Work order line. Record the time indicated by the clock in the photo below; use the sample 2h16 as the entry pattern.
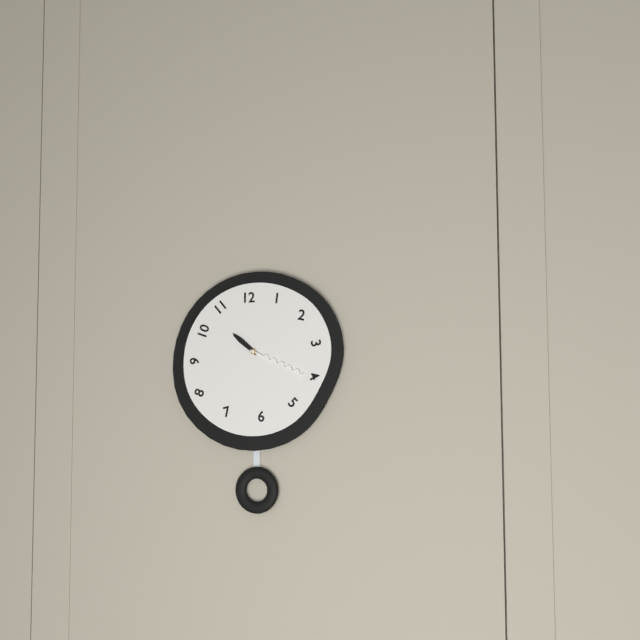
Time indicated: 10h19
